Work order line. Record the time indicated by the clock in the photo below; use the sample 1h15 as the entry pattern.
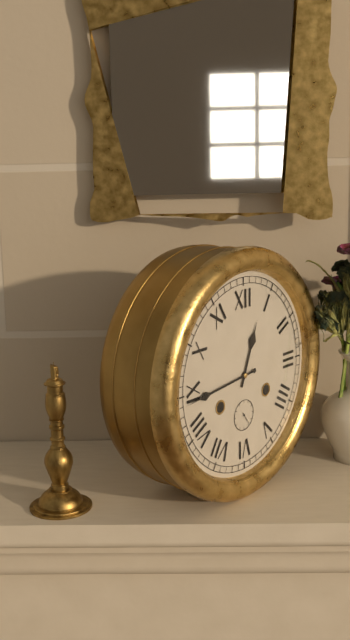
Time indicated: 12h44
